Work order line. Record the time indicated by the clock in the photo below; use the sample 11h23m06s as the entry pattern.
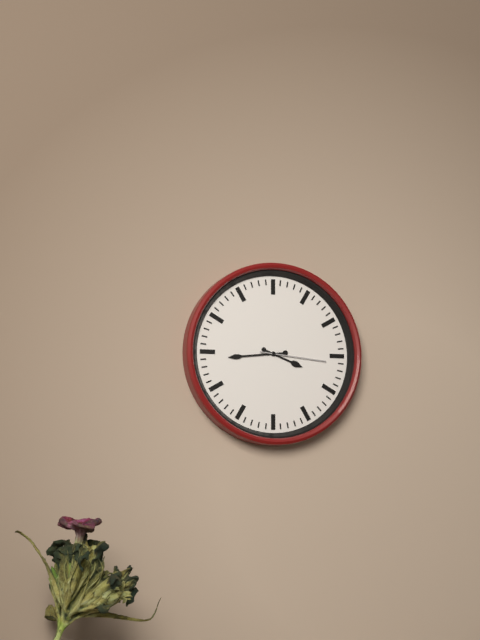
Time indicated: 3h44m16s
